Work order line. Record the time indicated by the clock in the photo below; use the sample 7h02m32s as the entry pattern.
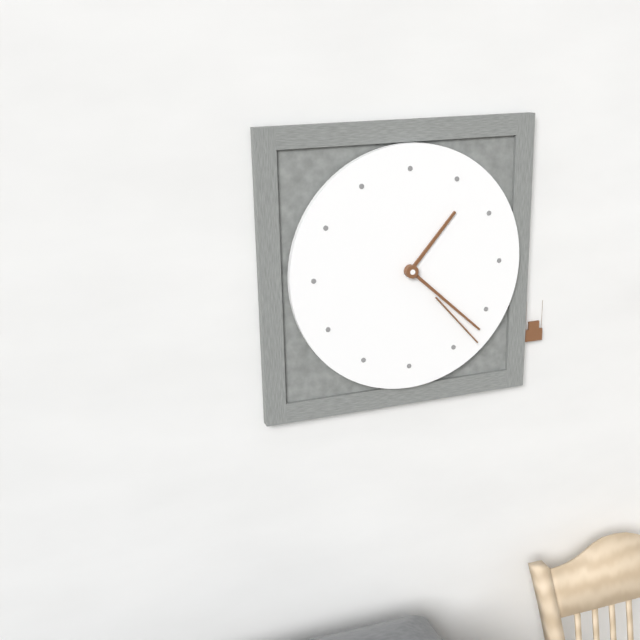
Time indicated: 1h22m23s
